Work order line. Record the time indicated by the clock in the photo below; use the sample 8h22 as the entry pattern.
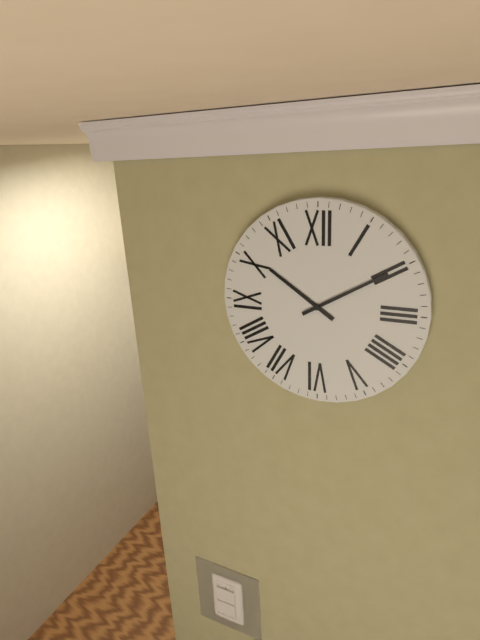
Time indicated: 10h10
